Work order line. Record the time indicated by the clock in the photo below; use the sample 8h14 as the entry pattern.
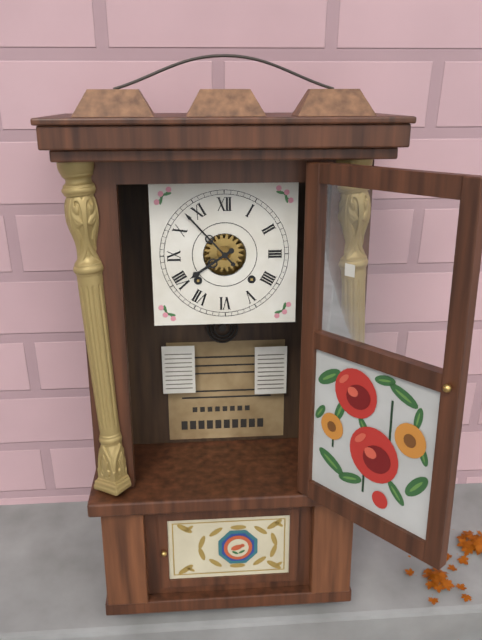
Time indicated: 7h53
